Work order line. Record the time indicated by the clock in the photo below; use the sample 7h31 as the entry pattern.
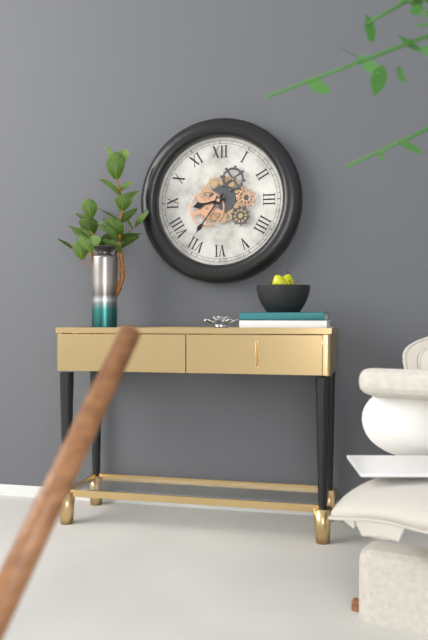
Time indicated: 8h36
